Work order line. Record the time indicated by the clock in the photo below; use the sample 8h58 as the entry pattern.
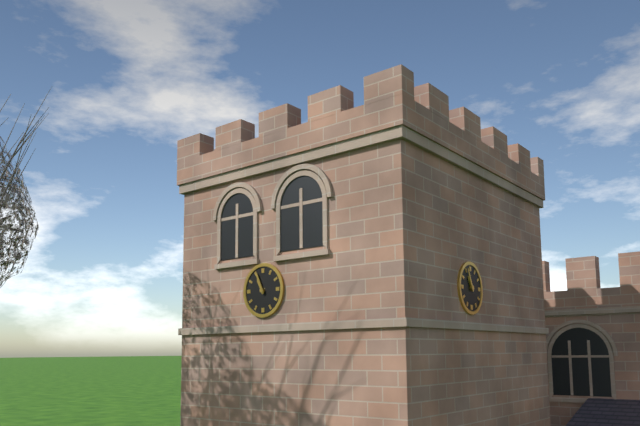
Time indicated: 10h56
